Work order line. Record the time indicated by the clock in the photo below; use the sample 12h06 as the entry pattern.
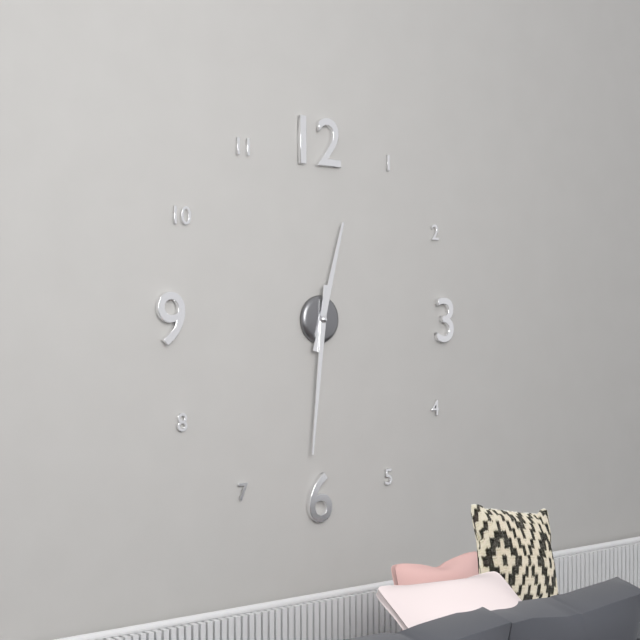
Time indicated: 12h31
